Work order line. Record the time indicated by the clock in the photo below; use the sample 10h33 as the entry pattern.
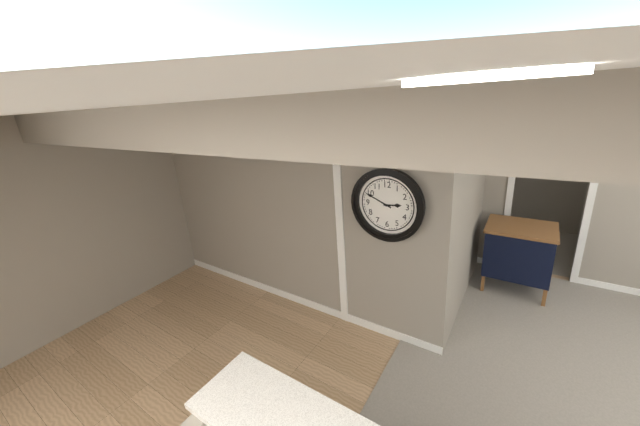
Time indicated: 2h49
